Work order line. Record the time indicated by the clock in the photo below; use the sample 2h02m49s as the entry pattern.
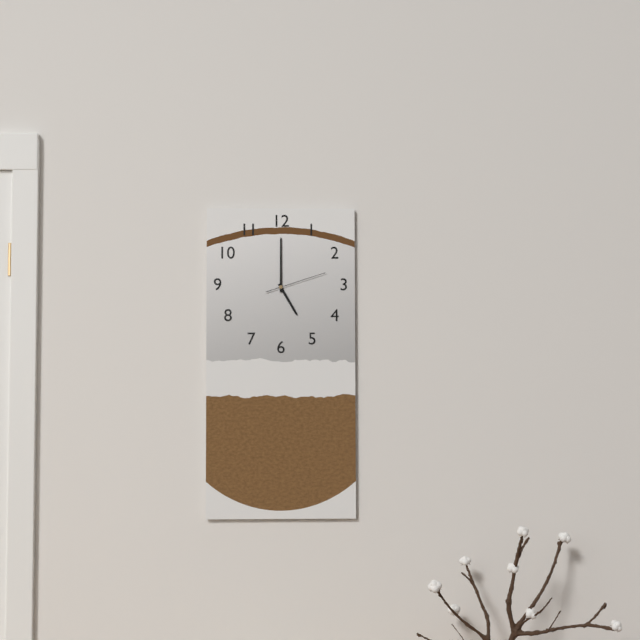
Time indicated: 5h00m12s
